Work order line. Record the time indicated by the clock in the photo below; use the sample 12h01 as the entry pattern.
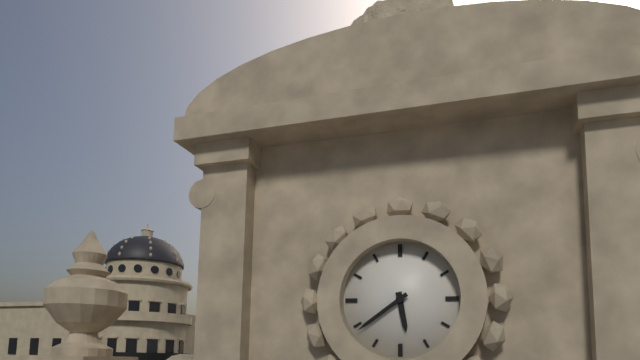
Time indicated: 5h39
